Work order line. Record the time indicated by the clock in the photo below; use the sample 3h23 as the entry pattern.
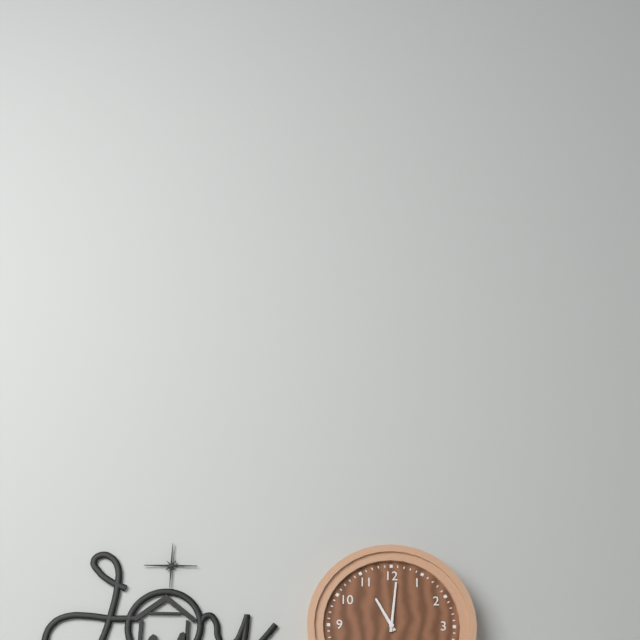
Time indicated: 11h01
